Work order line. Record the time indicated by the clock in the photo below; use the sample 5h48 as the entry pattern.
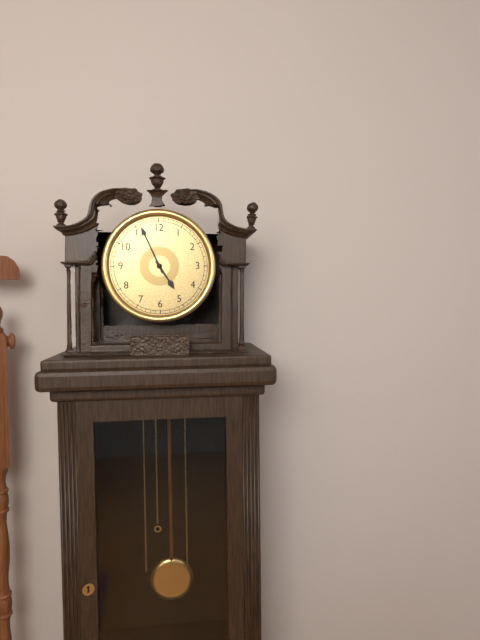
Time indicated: 4h56
